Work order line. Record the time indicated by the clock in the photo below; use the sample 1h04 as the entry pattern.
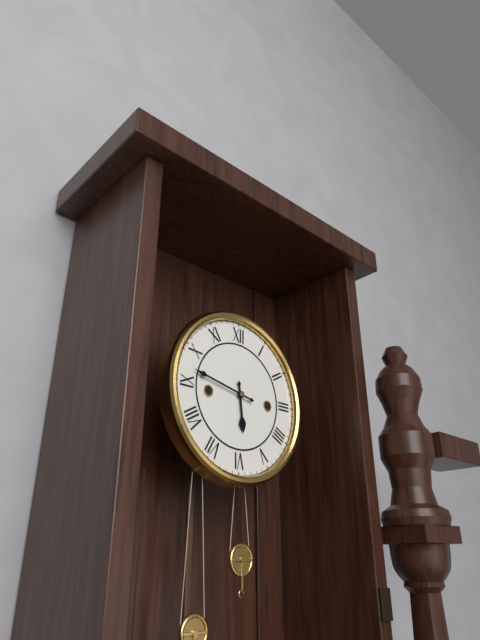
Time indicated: 5h47
